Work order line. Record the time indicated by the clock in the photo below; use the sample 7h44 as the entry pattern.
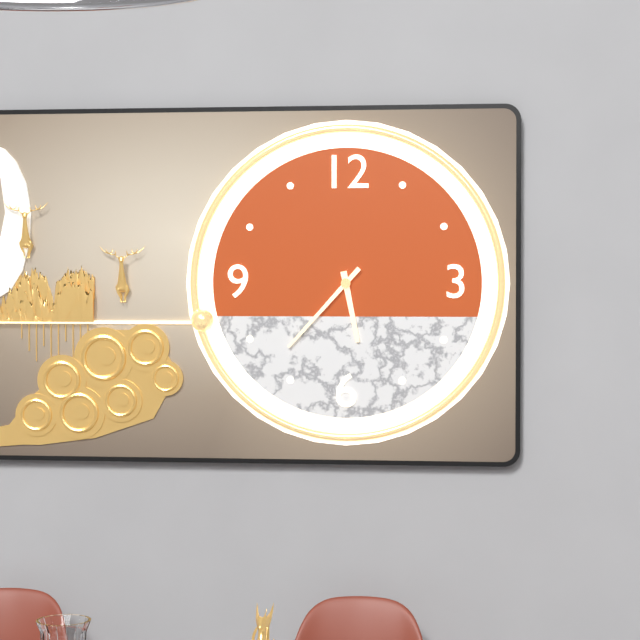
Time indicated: 5h37
